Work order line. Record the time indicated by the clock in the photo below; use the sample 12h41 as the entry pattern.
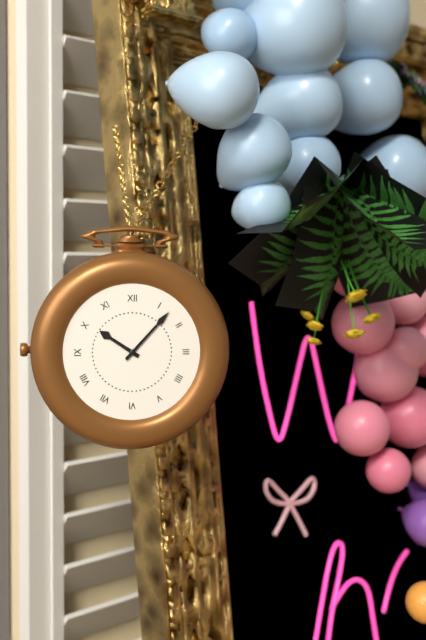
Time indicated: 10h07
